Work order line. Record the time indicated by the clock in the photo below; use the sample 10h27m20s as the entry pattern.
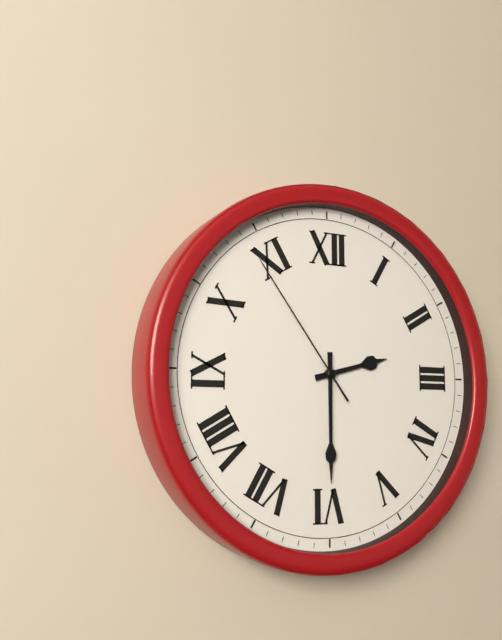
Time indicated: 2h30m54s
